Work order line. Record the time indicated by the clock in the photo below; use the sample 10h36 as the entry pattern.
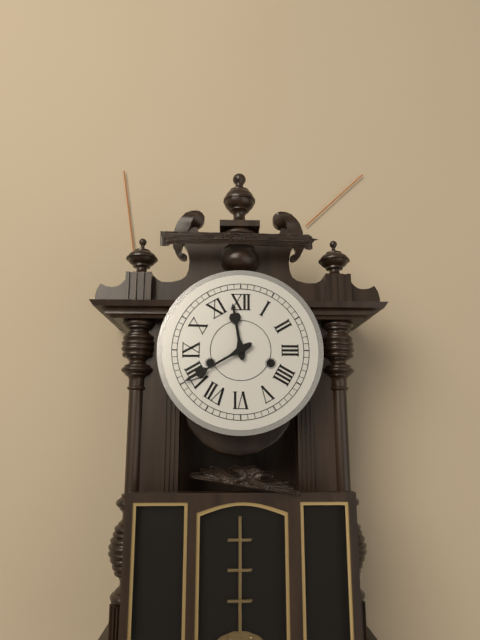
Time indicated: 11h40
